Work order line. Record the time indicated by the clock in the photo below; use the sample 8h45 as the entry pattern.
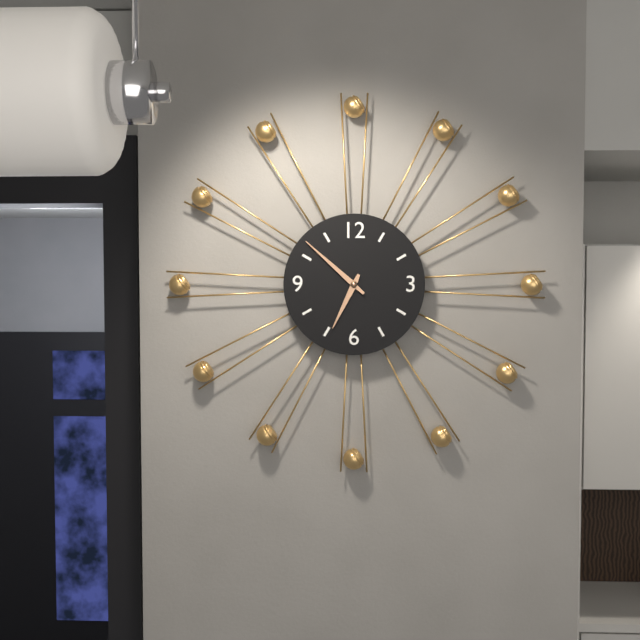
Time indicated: 6h52
